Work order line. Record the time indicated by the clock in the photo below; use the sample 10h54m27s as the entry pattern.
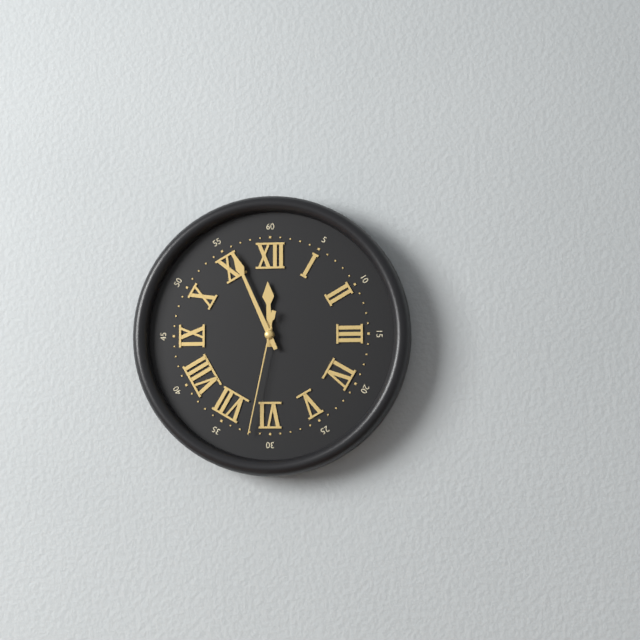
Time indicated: 11h56m32s
